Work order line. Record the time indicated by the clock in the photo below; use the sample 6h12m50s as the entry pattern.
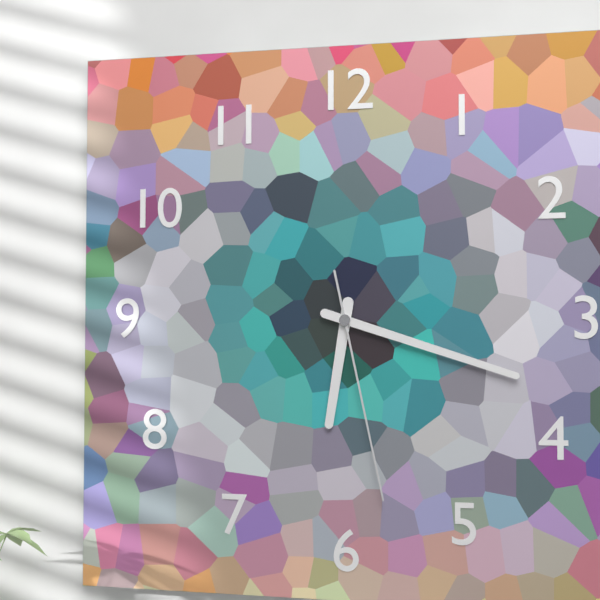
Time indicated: 6h18m28s
